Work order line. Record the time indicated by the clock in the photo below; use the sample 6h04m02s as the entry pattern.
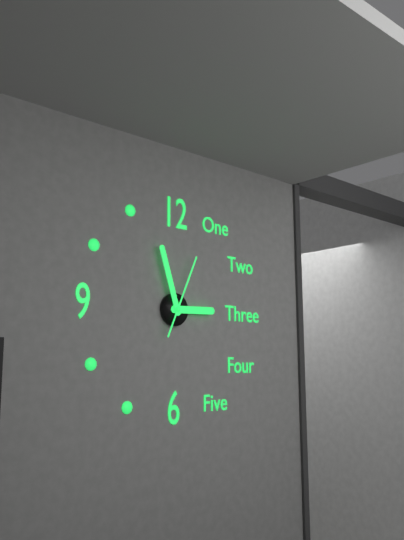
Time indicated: 2h57m04s
